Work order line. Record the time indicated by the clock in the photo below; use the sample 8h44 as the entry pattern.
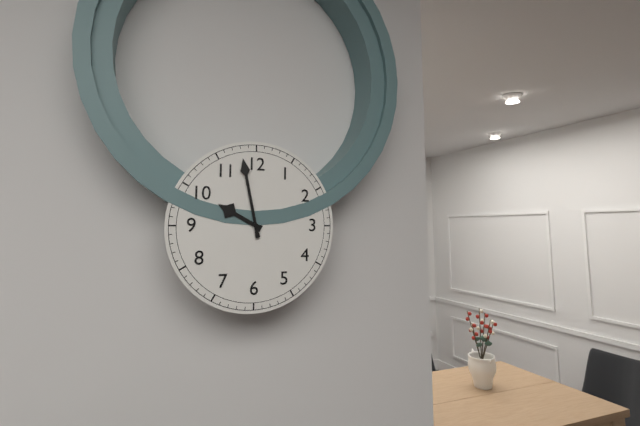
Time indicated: 9h58
